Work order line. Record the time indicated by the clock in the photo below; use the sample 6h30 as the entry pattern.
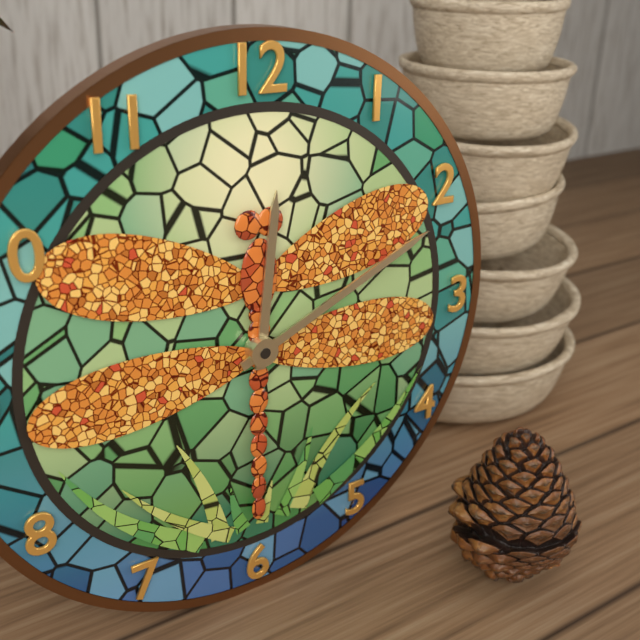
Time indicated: 12h11
